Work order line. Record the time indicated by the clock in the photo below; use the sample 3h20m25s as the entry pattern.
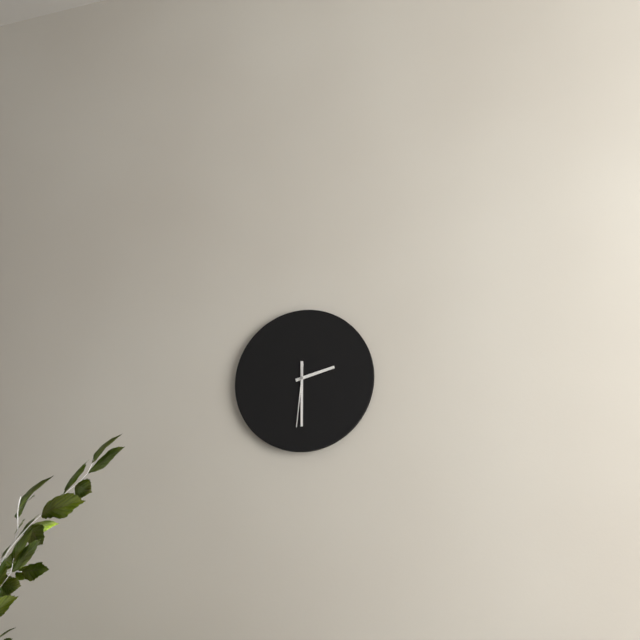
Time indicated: 2h30m31s
